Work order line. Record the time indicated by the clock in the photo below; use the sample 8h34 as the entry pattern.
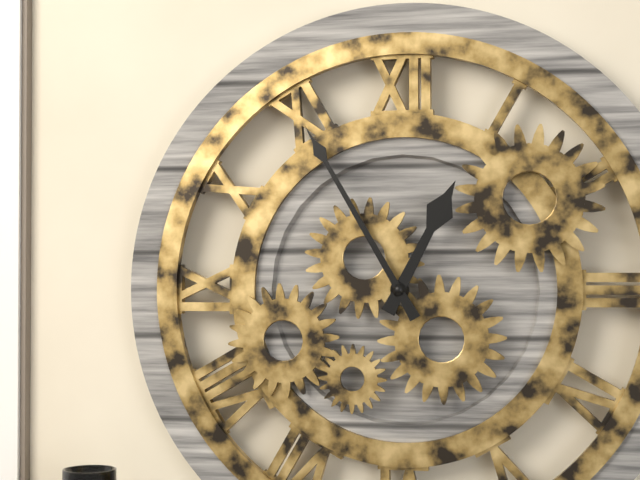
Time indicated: 12h55
